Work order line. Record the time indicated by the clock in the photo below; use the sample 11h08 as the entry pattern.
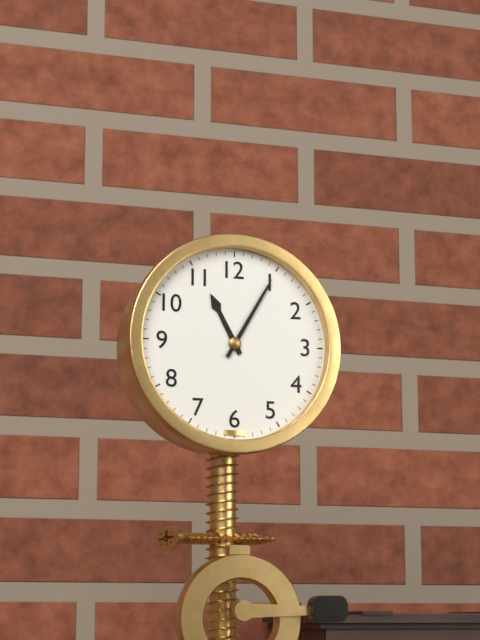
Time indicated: 11h05
